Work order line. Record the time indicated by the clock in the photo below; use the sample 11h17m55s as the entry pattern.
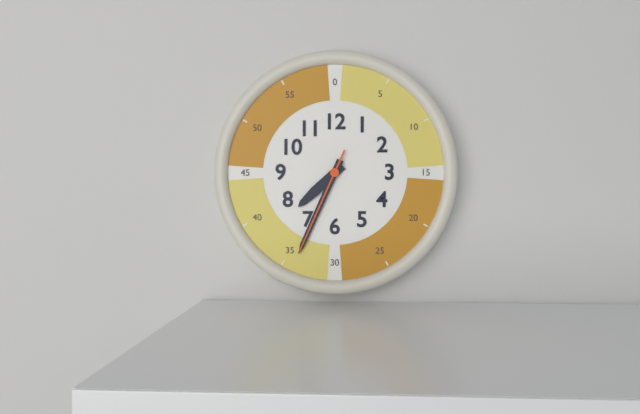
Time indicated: 7h34m34s
